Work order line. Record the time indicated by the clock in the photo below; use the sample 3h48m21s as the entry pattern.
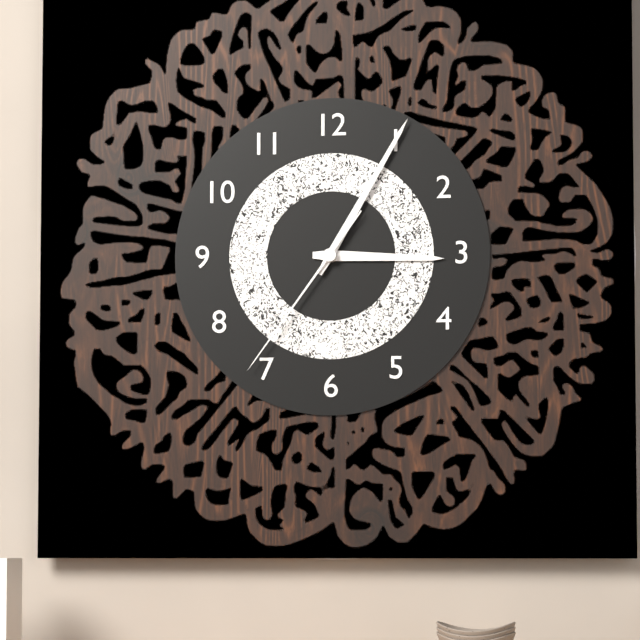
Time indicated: 3h05m36s
